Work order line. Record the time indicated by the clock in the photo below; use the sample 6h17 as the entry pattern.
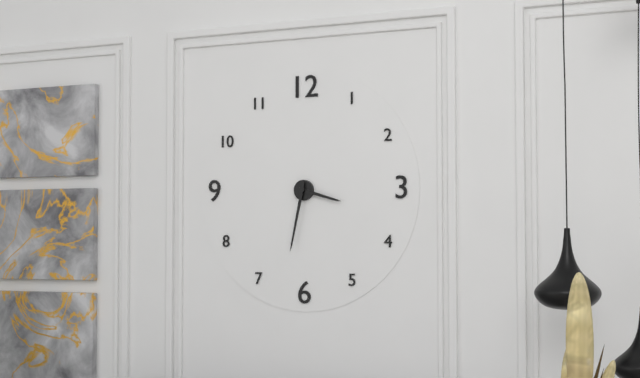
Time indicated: 3h32
